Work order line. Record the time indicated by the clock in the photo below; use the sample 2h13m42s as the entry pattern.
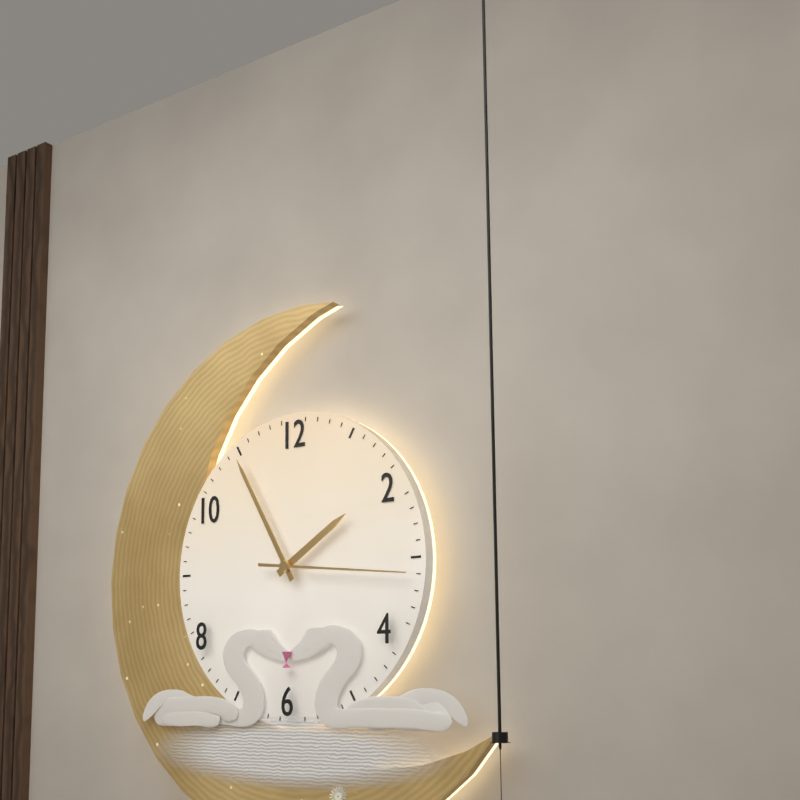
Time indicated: 1h55m16s
